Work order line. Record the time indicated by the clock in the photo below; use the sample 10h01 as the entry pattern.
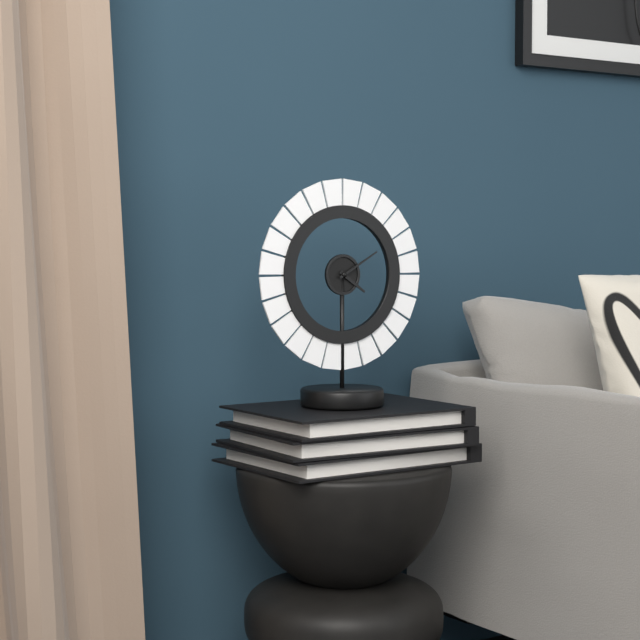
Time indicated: 4h10
